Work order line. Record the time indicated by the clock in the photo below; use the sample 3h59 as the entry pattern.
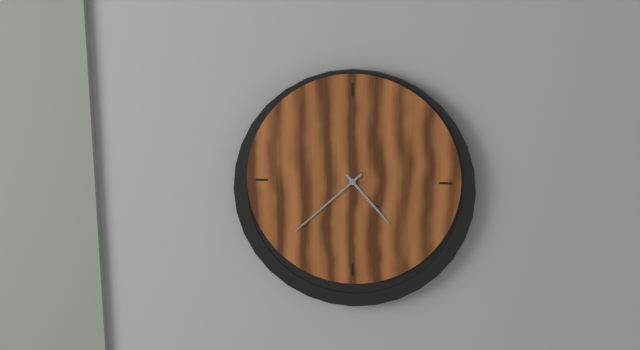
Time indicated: 4h38
